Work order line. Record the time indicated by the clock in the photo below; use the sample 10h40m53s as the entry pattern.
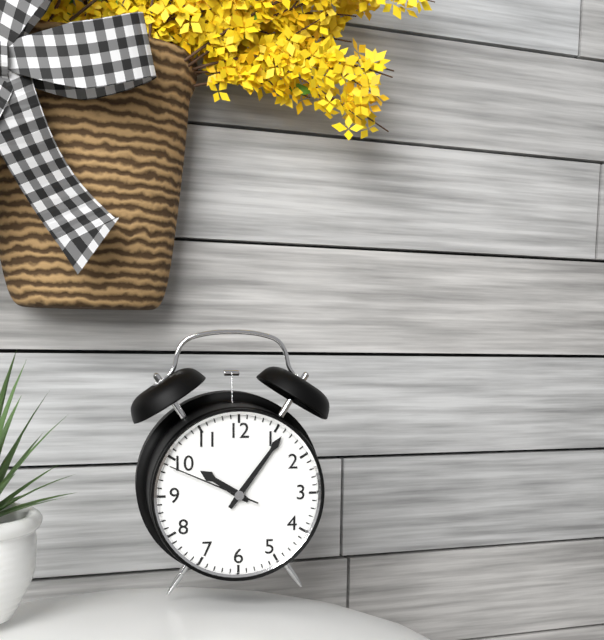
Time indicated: 10h06m49s
